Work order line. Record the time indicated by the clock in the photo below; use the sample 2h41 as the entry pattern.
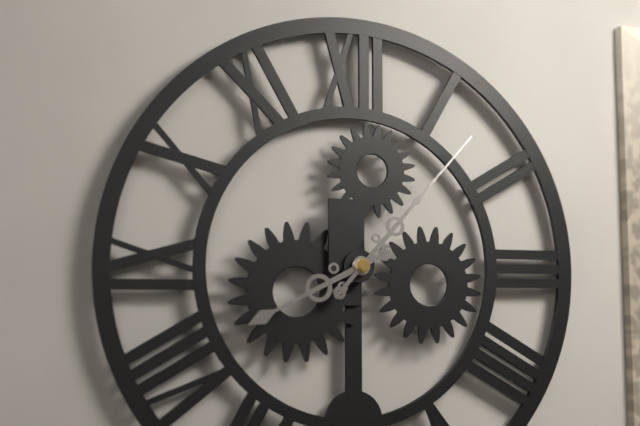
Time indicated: 8h07
